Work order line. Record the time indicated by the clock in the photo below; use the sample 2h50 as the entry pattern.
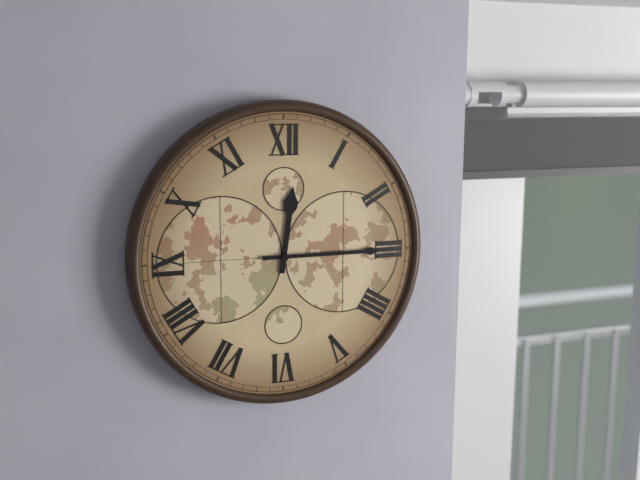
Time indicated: 12h15
